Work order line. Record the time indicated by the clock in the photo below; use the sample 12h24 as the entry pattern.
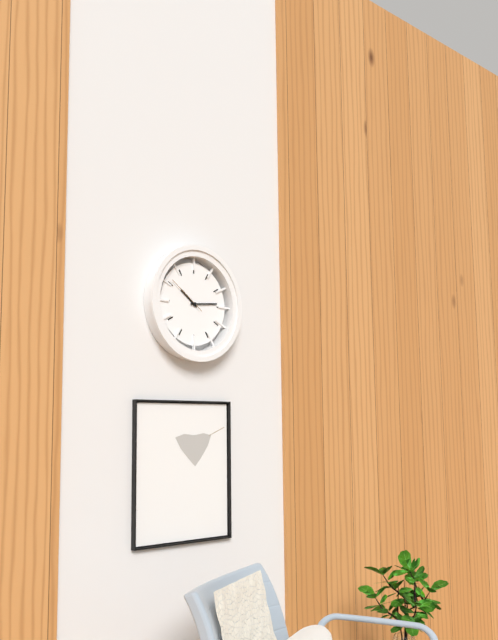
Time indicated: 10h14
